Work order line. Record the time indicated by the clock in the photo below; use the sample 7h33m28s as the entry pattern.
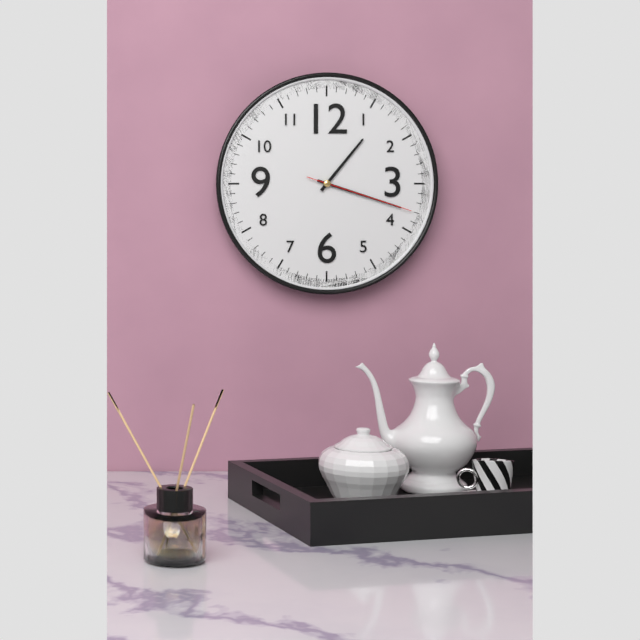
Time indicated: 1h18m18s
